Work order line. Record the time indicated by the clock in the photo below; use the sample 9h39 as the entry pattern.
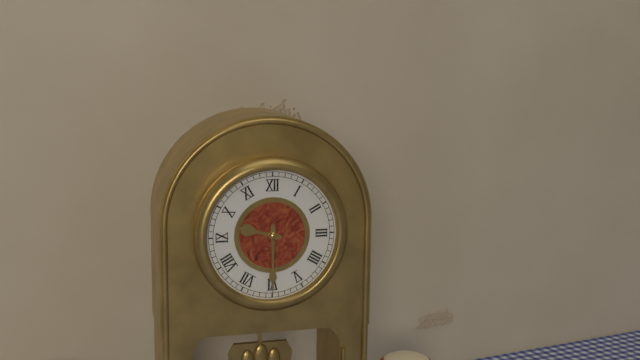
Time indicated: 9h30
